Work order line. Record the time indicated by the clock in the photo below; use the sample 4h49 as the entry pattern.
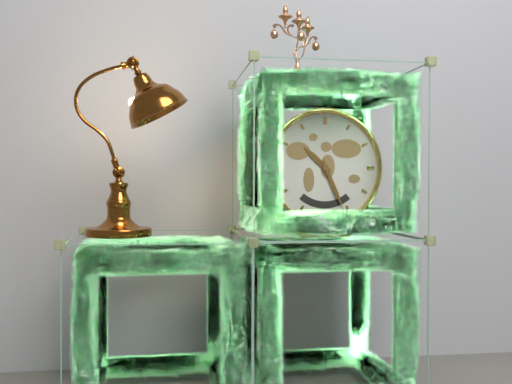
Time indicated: 10h26
